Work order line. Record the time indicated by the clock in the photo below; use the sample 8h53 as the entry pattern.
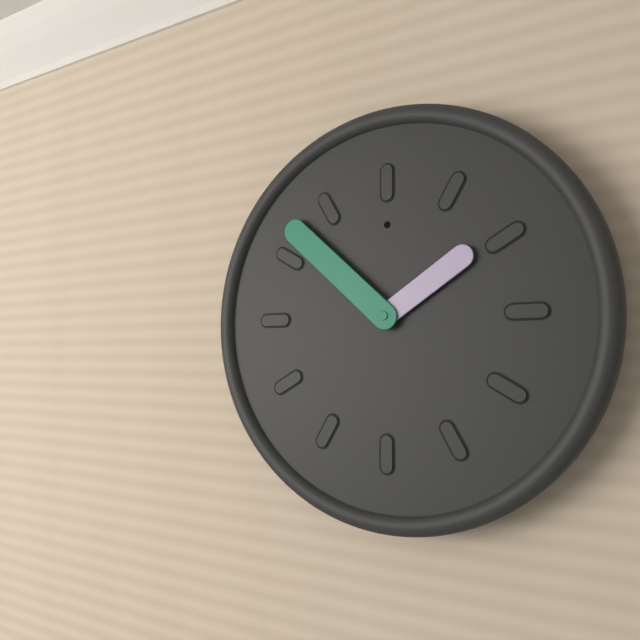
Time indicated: 1h52
